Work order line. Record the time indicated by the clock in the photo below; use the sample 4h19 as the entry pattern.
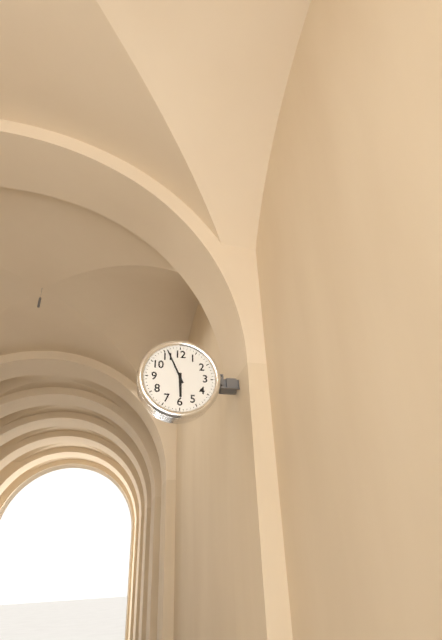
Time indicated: 5h56
